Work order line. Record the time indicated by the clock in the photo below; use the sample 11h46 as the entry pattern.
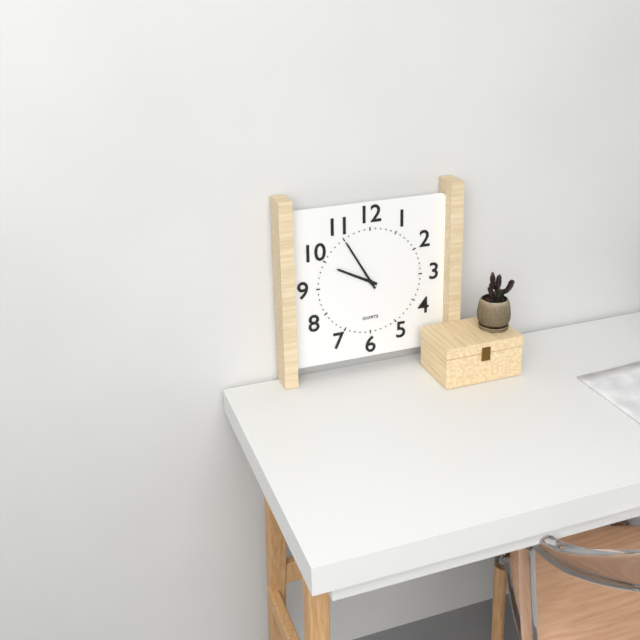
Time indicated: 9h55
